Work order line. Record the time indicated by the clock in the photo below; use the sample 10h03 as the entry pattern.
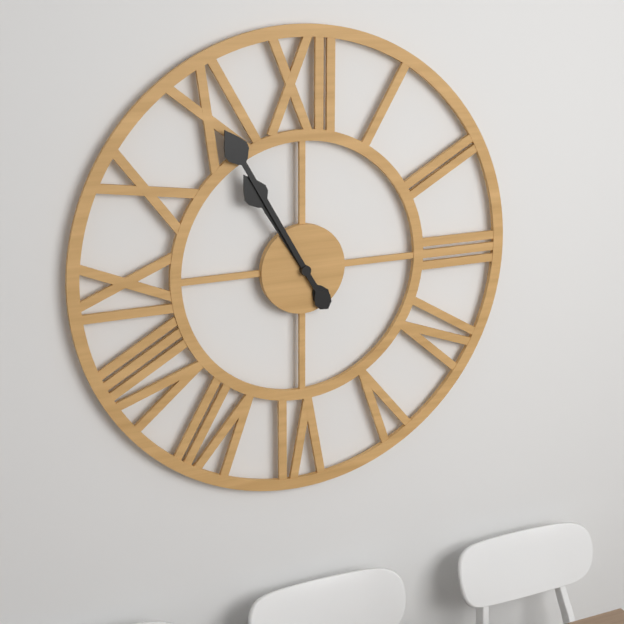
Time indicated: 10h55
